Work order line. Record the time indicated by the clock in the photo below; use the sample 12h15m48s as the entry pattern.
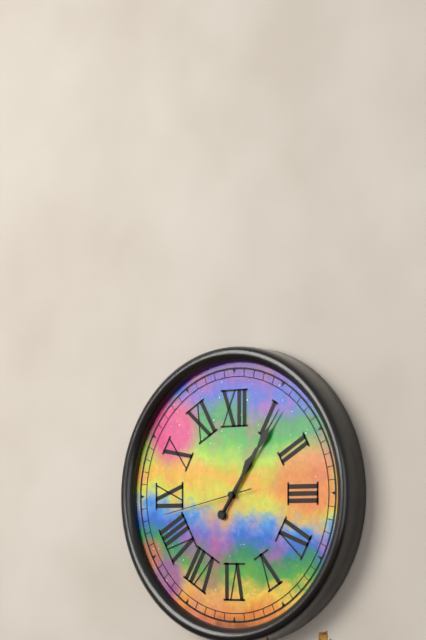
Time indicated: 1h06m43s
